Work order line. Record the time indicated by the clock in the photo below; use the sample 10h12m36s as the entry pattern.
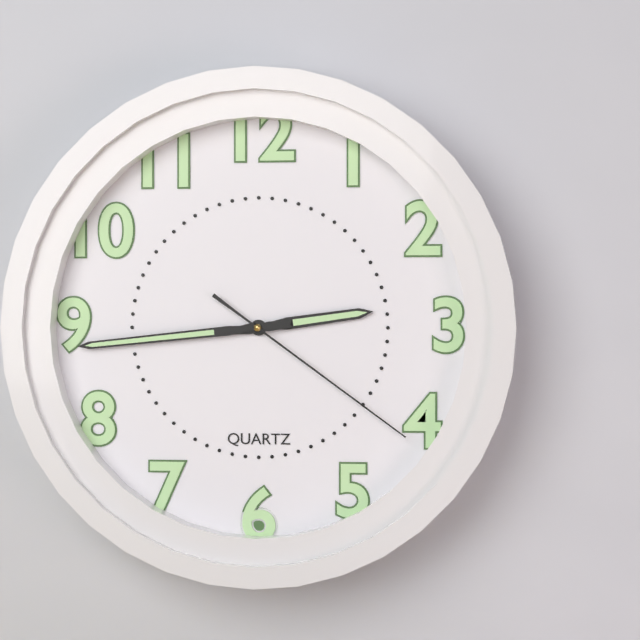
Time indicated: 2h44m21s
